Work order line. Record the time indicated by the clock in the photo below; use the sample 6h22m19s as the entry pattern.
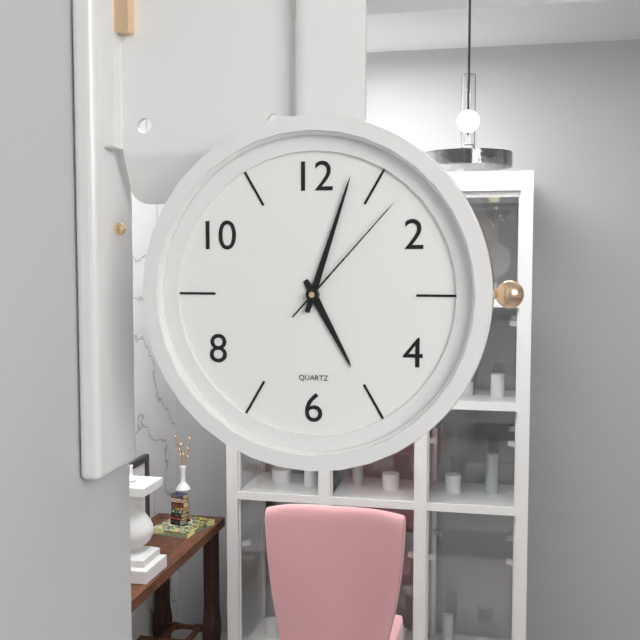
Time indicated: 5h03m07s
